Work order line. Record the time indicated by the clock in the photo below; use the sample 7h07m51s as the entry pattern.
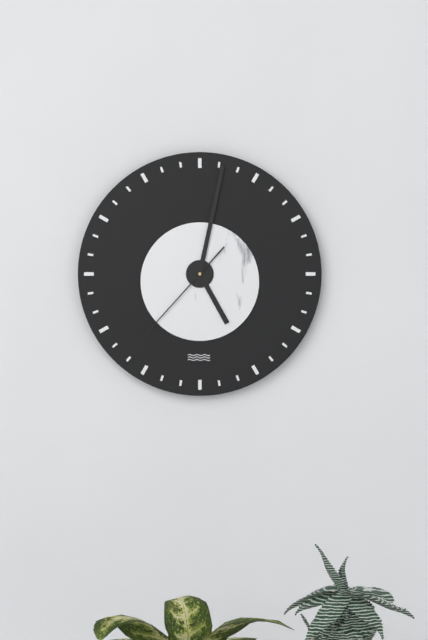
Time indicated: 5h02m37s
